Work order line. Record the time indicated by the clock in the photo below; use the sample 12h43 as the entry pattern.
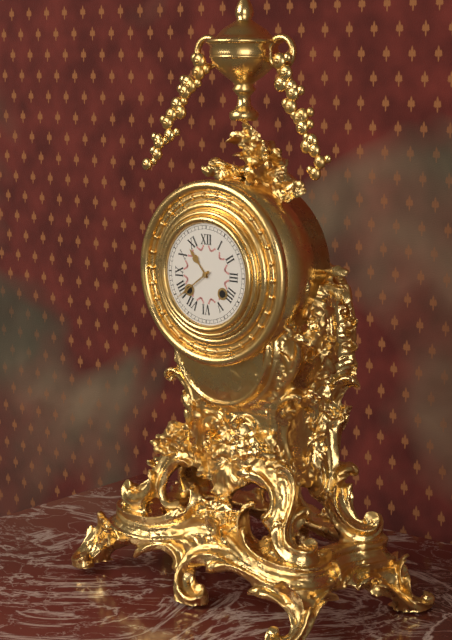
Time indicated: 10h39
